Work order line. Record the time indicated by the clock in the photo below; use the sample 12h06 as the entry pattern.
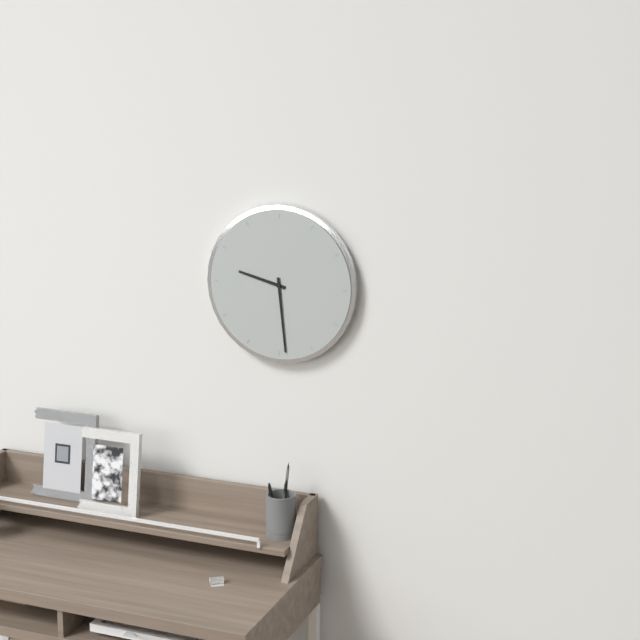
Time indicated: 9h29
